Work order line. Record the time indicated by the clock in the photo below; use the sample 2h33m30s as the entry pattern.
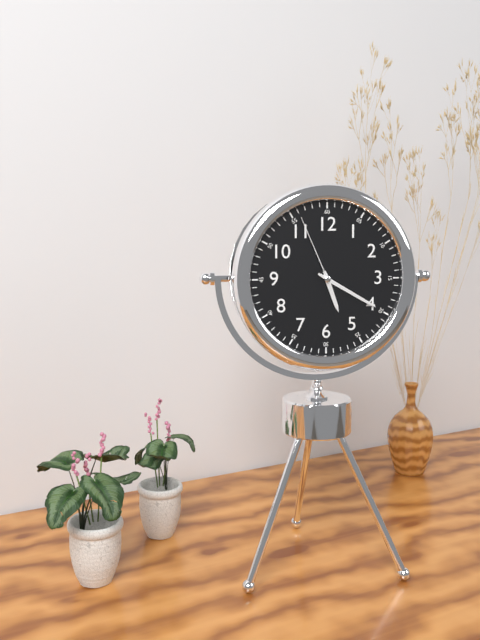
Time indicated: 5h20m56s
